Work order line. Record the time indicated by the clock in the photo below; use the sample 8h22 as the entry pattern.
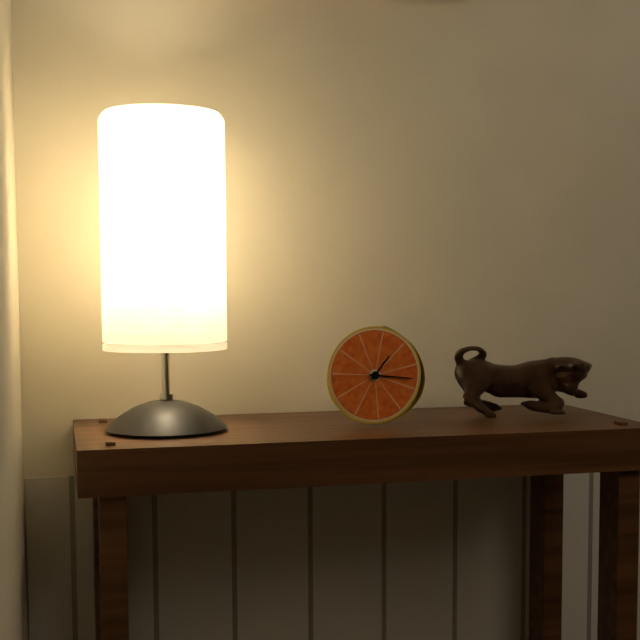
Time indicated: 1h16
